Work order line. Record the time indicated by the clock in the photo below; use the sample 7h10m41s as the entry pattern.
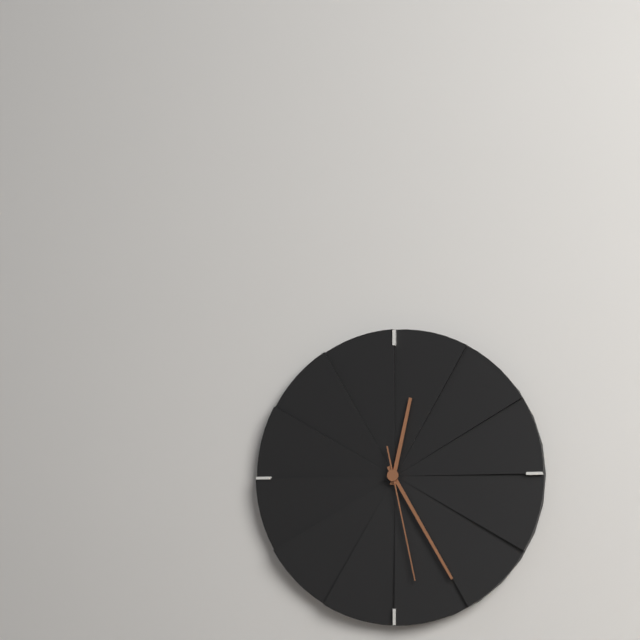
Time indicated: 12h25m28s
